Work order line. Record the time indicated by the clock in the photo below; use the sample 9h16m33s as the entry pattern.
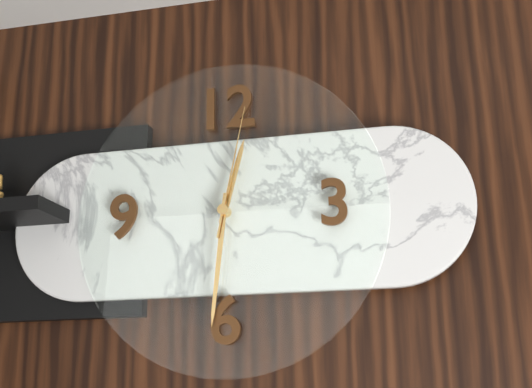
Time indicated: 12h31m02s
